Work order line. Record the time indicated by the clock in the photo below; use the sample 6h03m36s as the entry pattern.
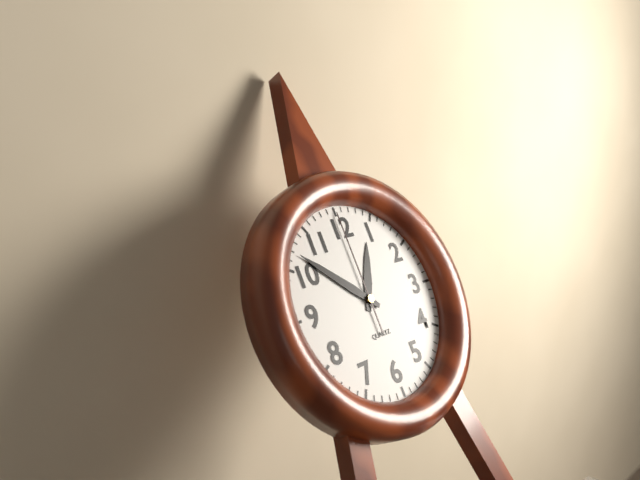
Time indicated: 12h52m00s
